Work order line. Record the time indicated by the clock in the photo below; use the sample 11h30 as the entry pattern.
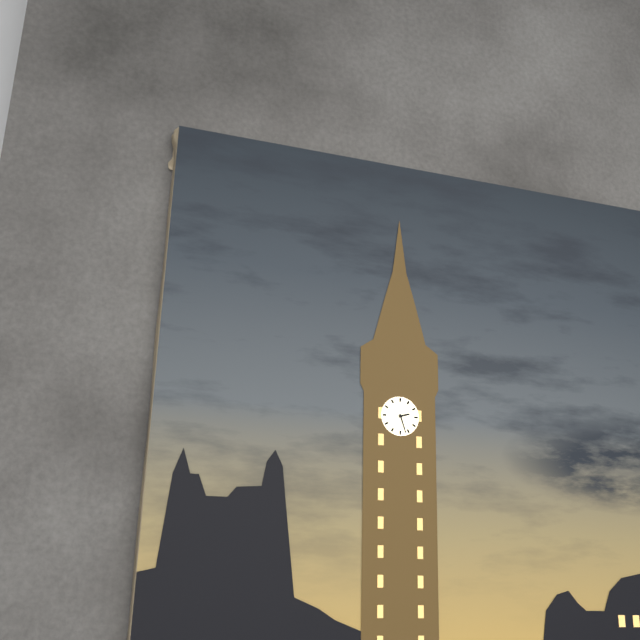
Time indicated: 2h27
